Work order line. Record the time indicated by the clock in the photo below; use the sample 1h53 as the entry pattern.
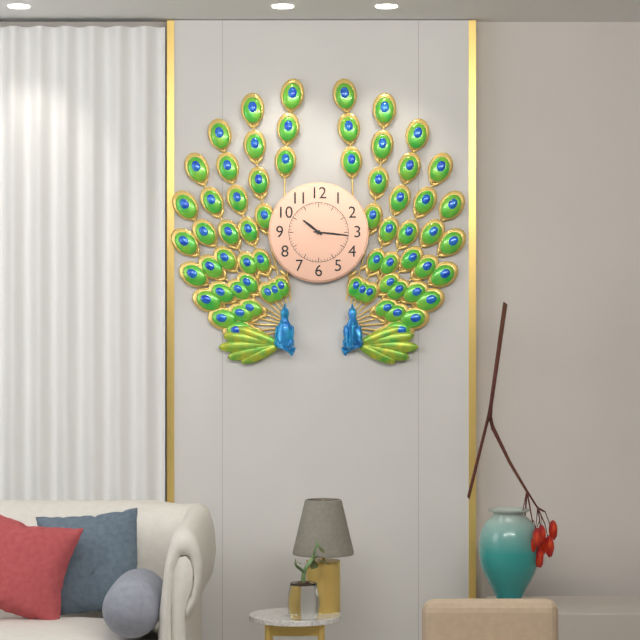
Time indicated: 10h16
